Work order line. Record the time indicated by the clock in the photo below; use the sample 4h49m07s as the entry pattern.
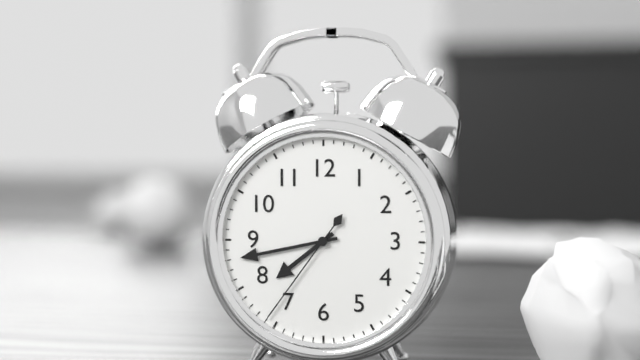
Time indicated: 7h43m36s
